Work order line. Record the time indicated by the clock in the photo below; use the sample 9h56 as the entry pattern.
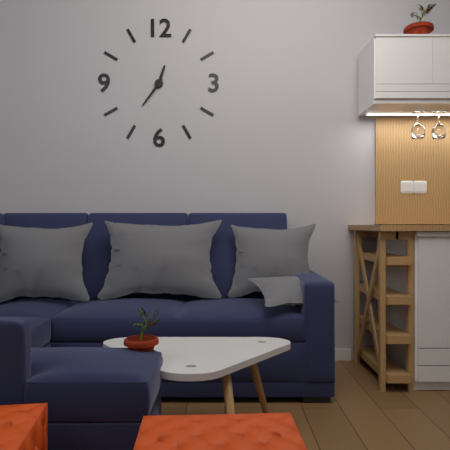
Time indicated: 12h36
